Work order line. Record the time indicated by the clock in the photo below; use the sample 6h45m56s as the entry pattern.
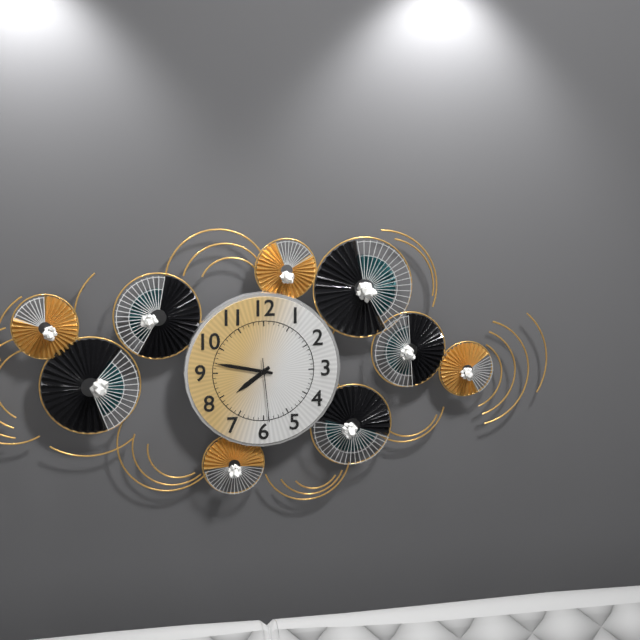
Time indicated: 7h47m29s
